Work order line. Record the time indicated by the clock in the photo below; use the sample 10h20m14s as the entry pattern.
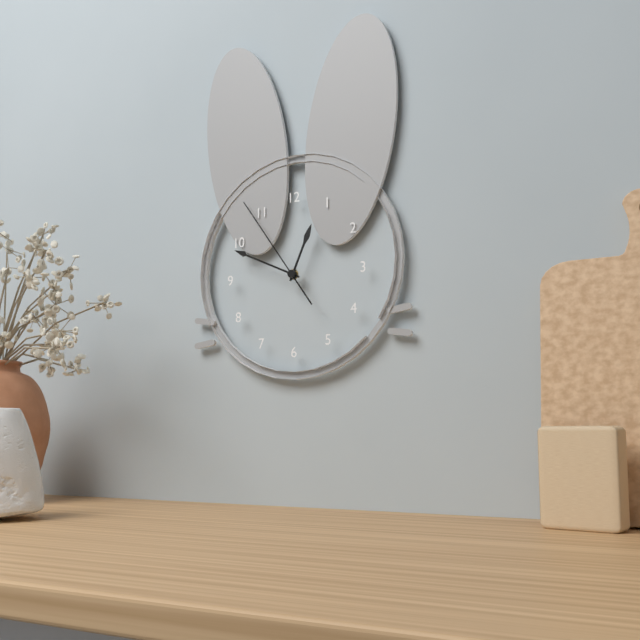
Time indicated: 12h49m54s
